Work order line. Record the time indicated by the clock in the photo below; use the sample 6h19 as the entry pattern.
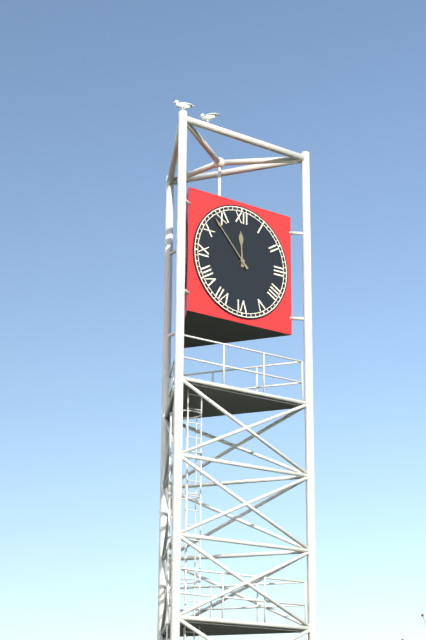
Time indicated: 11h53
